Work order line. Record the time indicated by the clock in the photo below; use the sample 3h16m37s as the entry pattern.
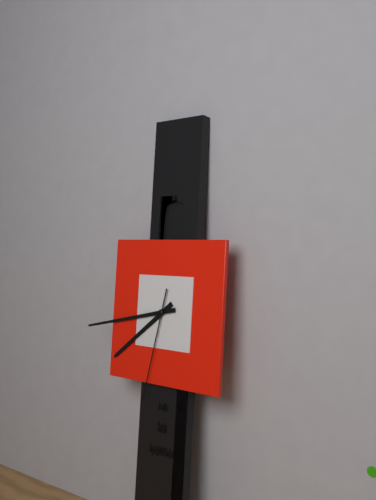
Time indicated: 7h43m32s
